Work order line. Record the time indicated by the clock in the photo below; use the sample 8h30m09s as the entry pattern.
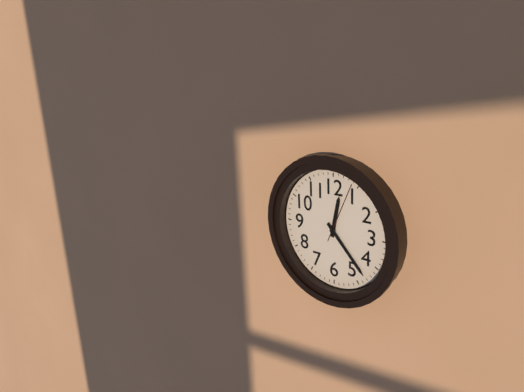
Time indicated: 12h23m04s
